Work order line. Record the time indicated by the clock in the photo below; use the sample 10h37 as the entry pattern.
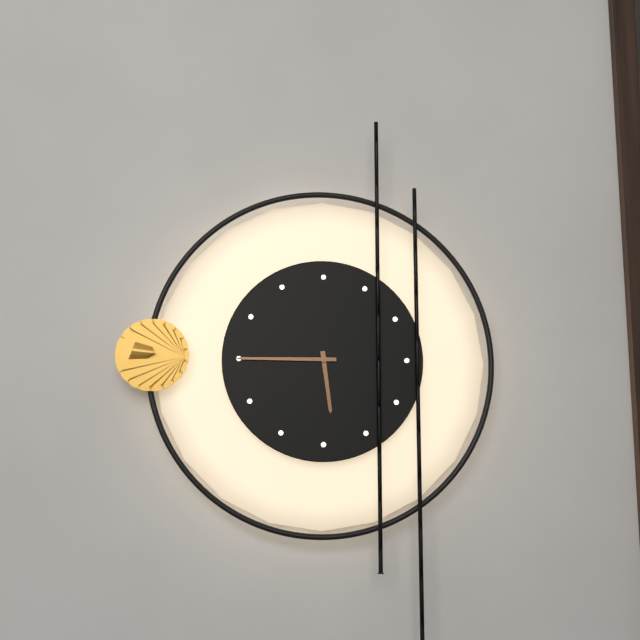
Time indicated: 5h45
